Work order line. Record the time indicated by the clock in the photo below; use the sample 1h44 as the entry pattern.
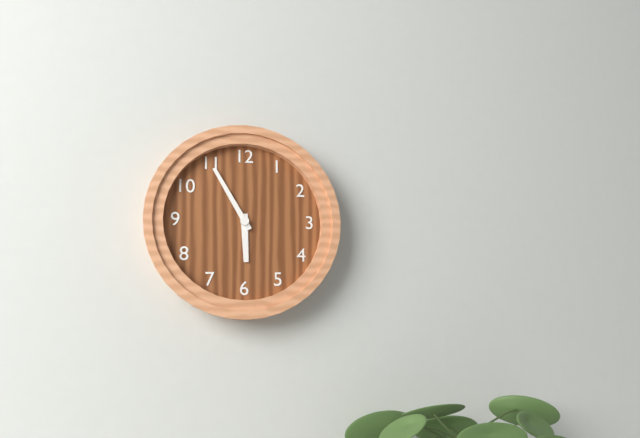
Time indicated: 5h55
